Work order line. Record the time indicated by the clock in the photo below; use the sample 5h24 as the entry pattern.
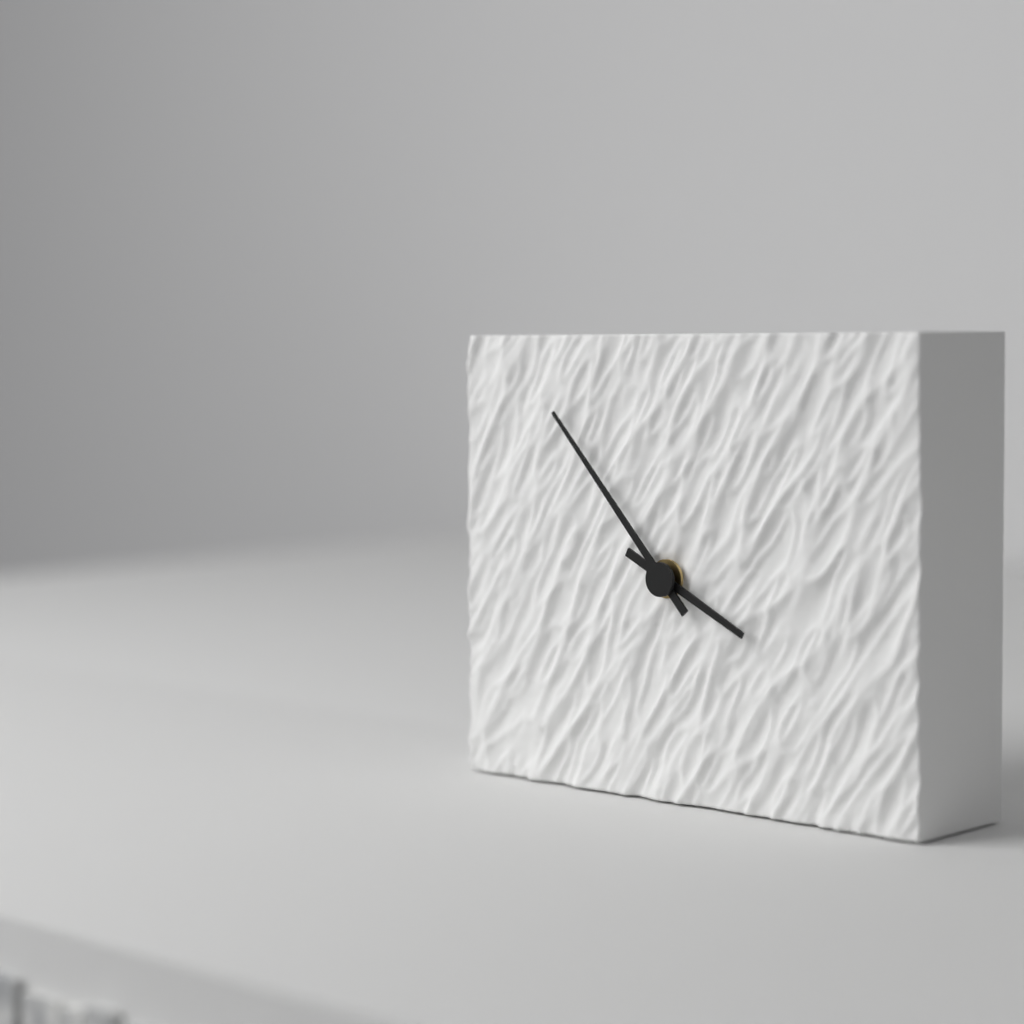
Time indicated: 3h53
